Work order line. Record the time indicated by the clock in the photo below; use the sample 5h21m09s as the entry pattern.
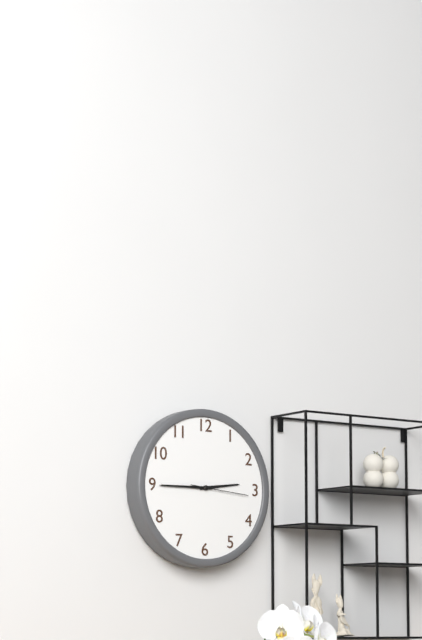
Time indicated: 2h45m16s
